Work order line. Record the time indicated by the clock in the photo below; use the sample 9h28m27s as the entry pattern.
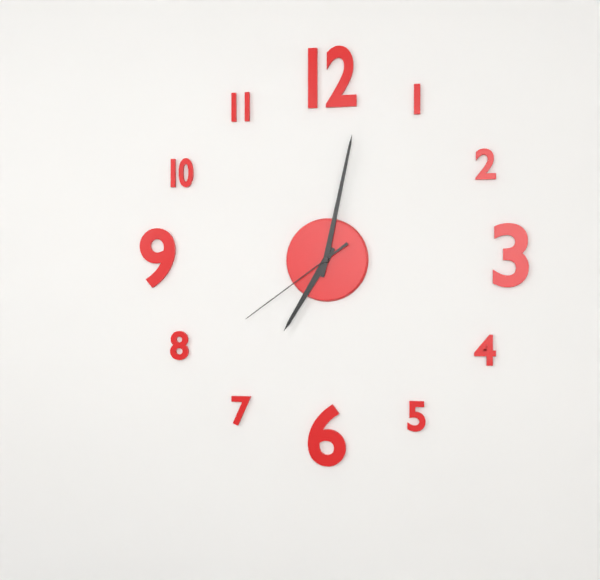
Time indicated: 7h02m39s
